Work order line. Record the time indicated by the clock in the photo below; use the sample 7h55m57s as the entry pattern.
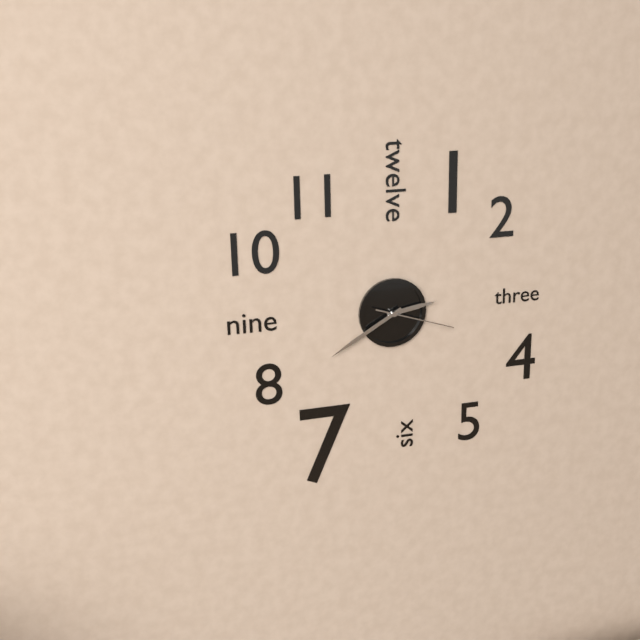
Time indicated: 2h40m18s
